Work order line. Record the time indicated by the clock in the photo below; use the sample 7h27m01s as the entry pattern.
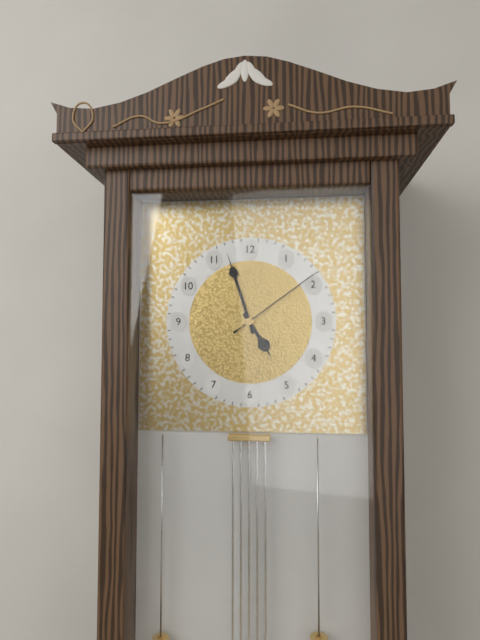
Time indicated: 4h57m09s
